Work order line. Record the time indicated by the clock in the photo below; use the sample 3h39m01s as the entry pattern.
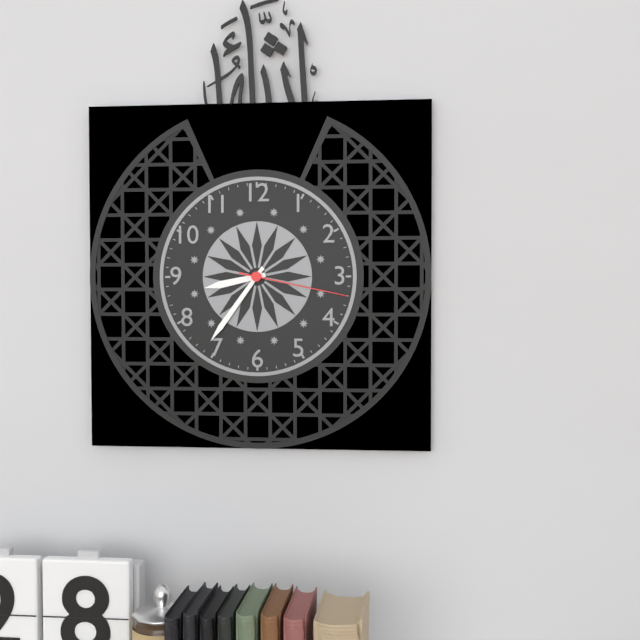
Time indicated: 8h36m17s
